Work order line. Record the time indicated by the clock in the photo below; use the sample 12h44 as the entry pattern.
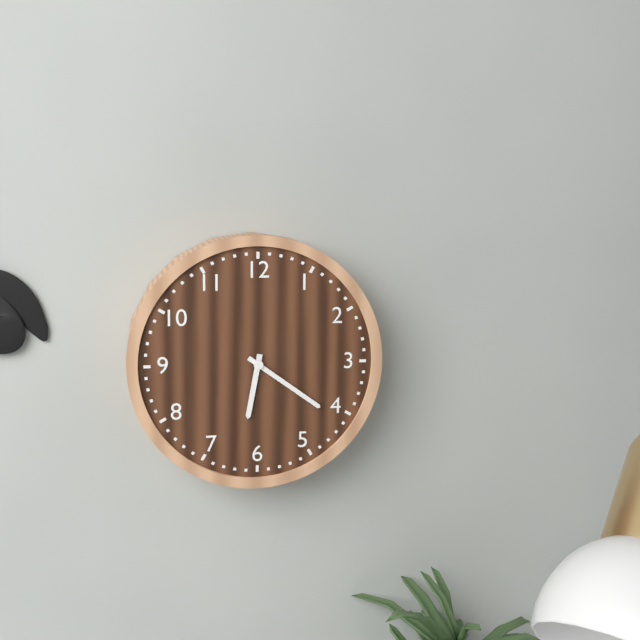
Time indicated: 6h21
